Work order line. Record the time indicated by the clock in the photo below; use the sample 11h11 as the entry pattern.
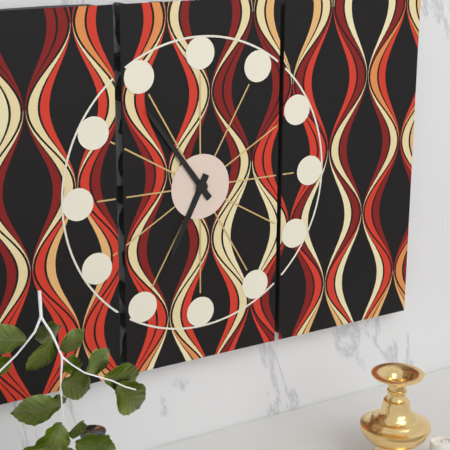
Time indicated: 6h54
